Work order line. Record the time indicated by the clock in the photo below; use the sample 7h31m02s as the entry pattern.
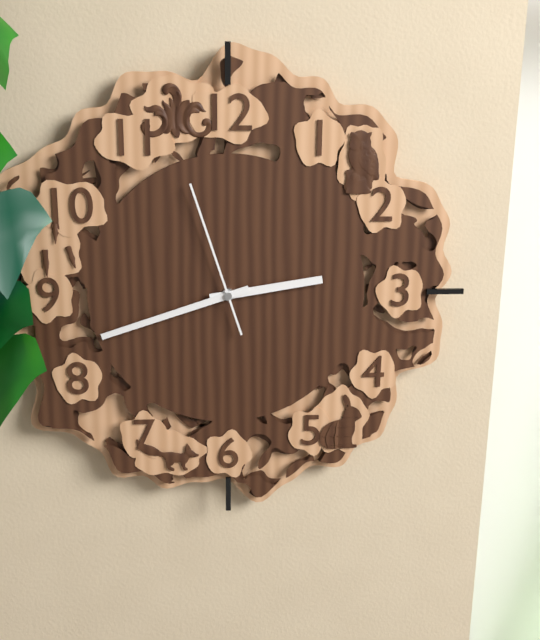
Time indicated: 2h42m57s
